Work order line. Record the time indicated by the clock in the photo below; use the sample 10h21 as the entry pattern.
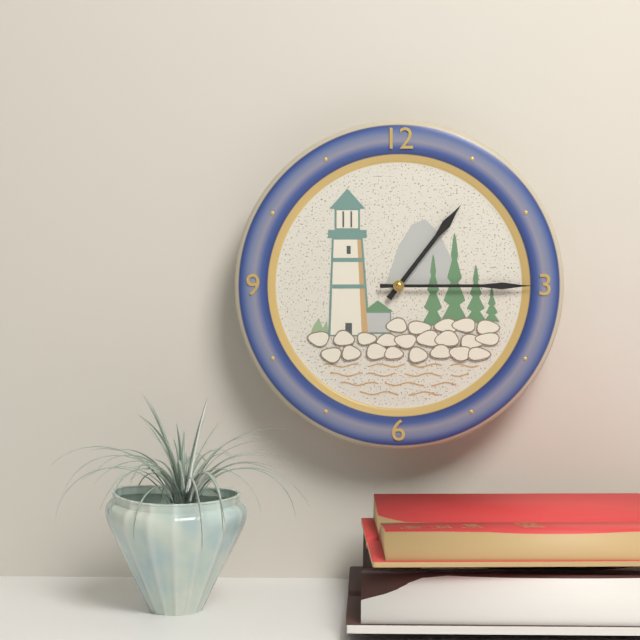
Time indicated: 1h15
